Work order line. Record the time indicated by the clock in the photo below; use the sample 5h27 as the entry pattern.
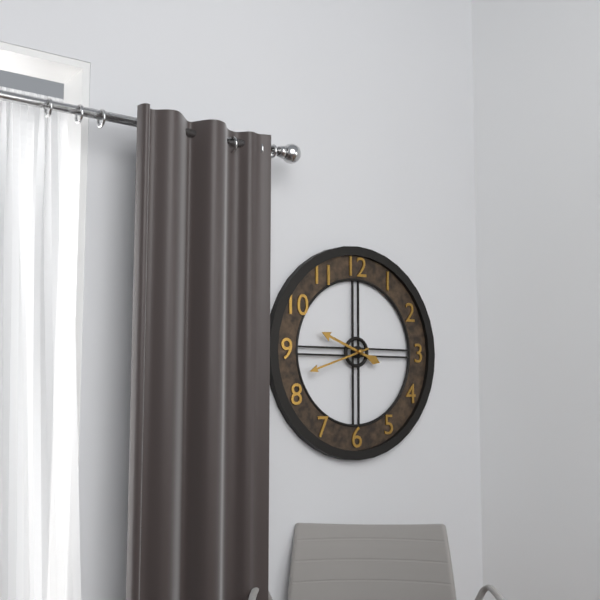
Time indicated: 9h42
